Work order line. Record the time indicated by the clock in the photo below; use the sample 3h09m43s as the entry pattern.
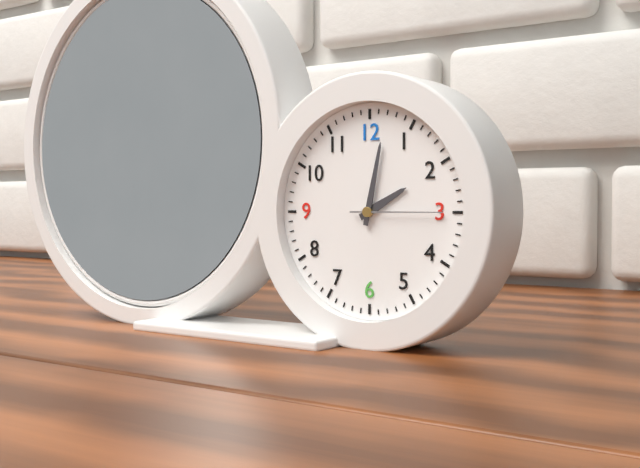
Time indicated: 2h02m15s
